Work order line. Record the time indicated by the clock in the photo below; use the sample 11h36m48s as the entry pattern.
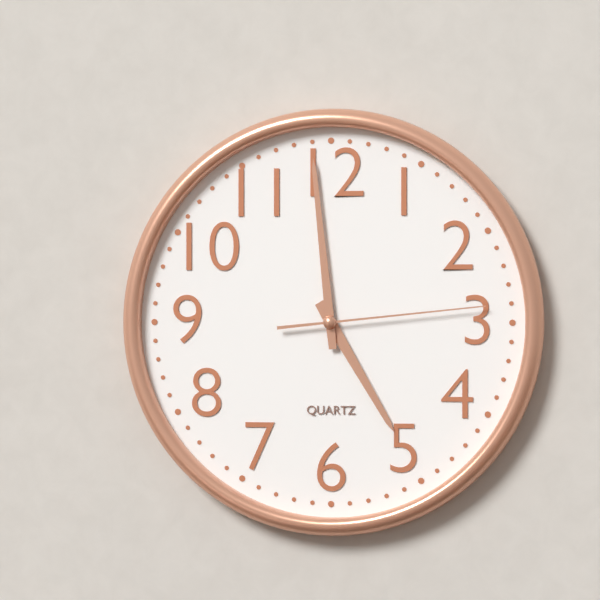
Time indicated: 4h59m14s
